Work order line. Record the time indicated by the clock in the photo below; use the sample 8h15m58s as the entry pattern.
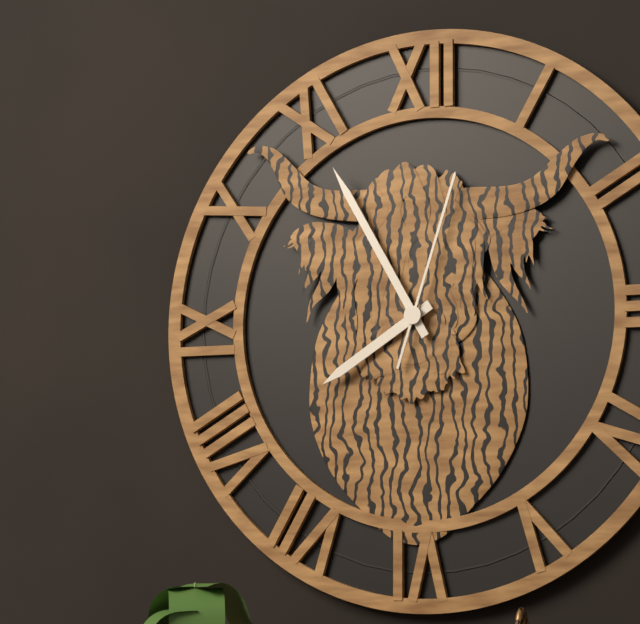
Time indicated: 7h55m03s
